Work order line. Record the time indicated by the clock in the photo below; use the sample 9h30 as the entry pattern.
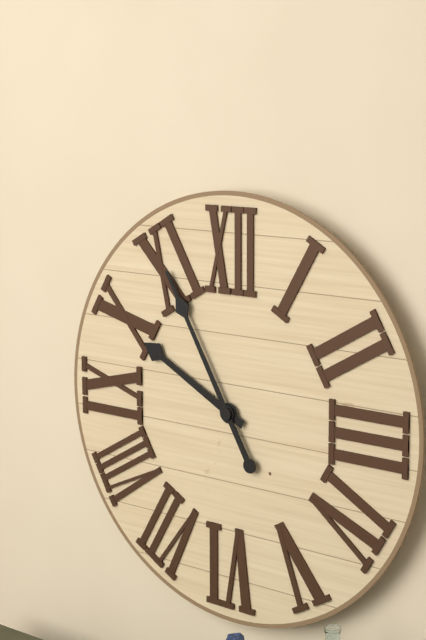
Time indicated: 9h55
